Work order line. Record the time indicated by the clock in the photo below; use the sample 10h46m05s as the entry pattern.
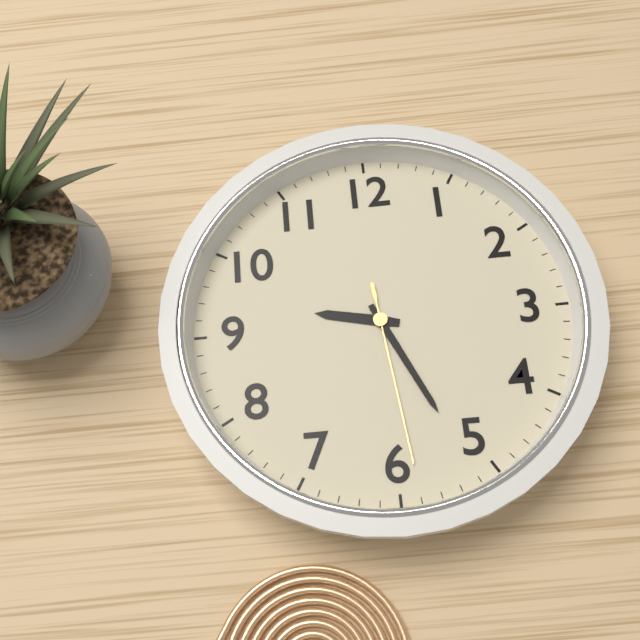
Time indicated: 9h26m29s
